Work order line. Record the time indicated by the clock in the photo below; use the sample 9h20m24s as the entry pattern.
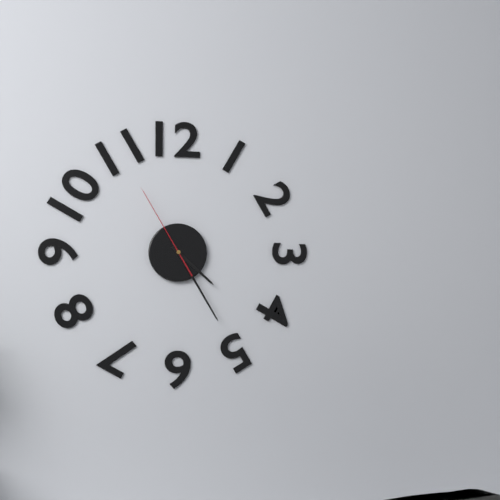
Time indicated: 4h25m55s
